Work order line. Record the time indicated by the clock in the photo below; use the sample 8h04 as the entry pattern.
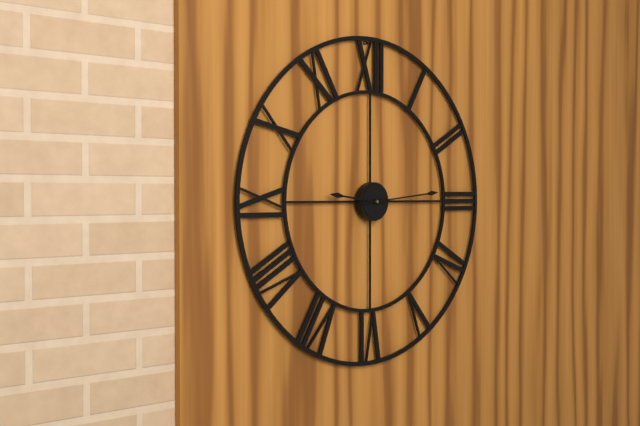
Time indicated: 9h14
